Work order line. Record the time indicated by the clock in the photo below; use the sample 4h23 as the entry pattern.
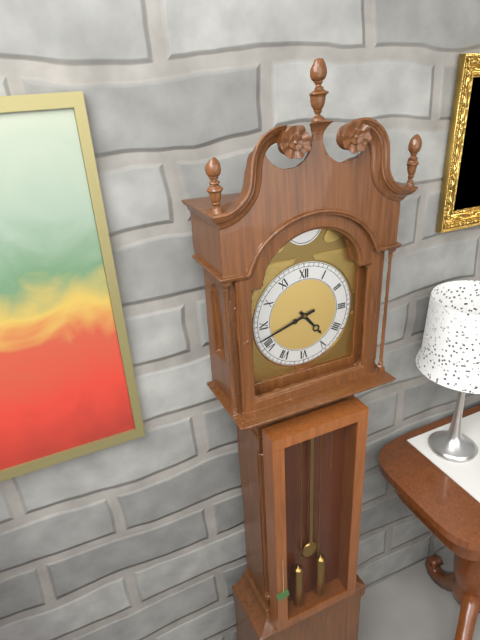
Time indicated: 4h42
